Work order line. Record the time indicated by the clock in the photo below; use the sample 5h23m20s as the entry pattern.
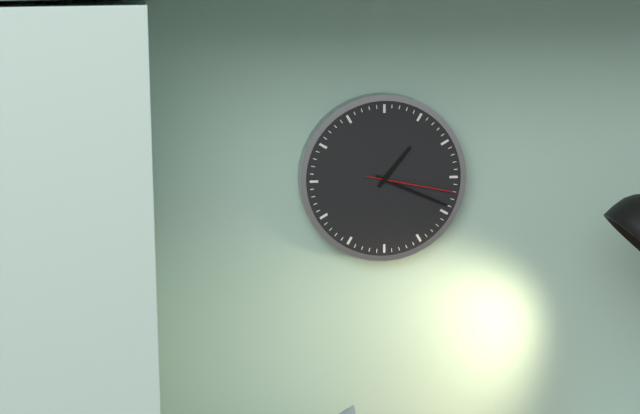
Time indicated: 1h19m17s
